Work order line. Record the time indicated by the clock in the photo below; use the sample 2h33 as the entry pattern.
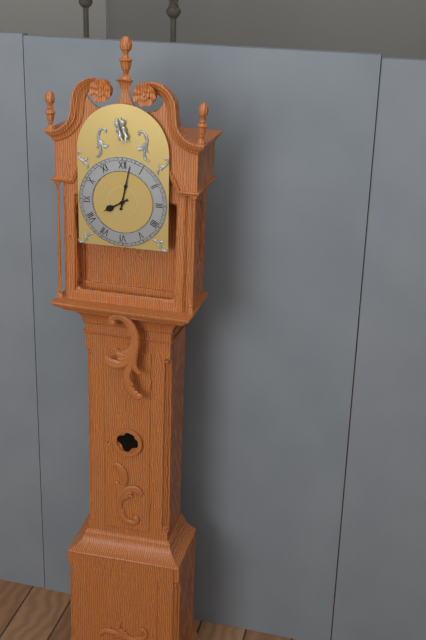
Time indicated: 8h02
